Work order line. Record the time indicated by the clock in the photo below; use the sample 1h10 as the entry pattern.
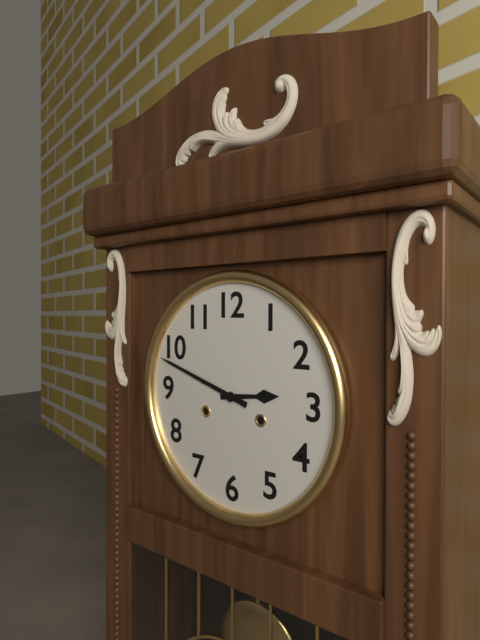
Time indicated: 2h48
